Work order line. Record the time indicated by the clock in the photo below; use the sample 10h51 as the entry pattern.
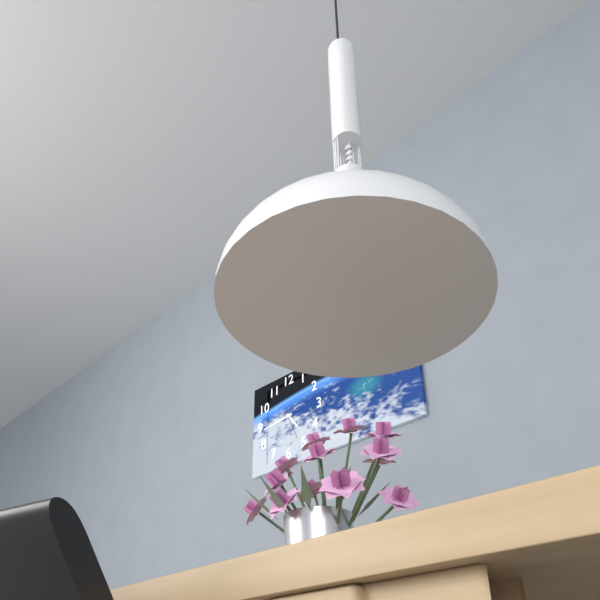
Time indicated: 4h44
